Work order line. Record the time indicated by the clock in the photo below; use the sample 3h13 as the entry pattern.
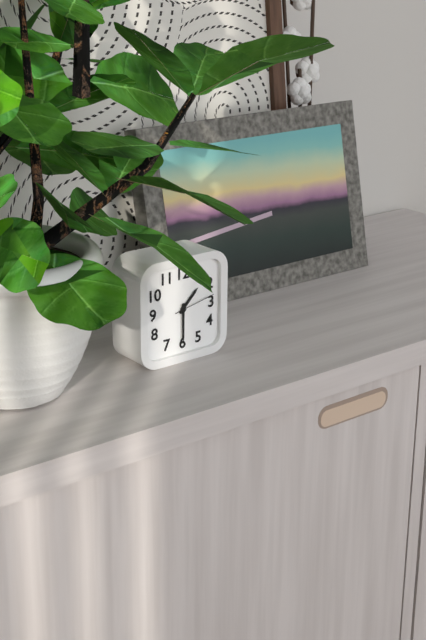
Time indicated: 1h30
